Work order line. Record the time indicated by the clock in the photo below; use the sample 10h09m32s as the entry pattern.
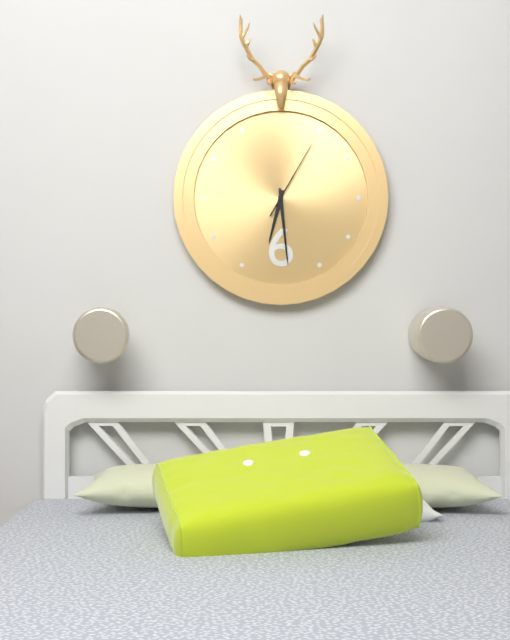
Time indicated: 6h29m05s
